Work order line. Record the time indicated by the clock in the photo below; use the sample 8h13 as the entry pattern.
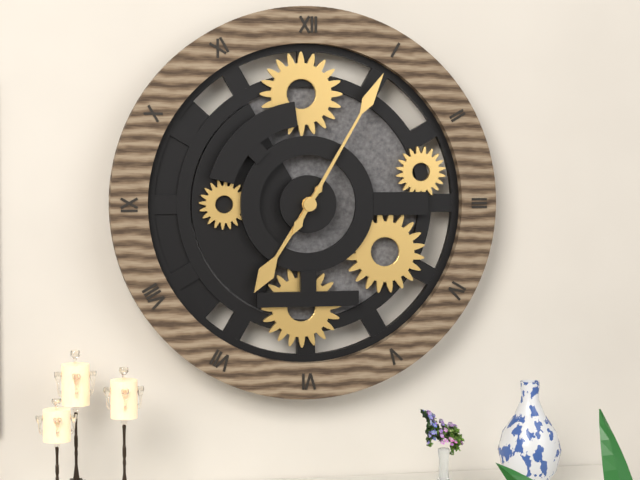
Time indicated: 7h05
